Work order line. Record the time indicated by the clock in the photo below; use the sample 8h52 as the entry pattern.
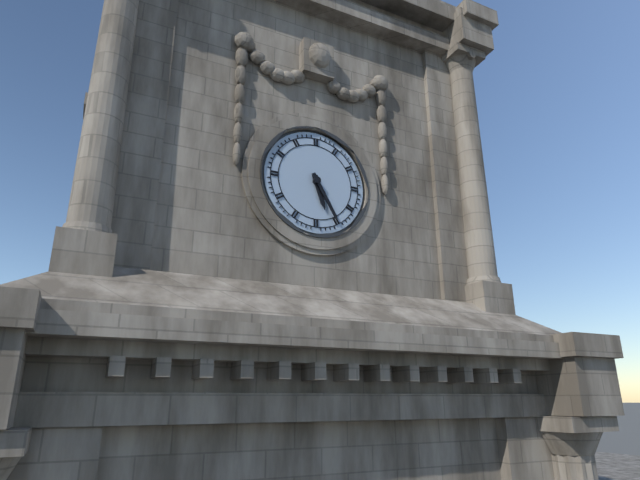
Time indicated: 5h25
